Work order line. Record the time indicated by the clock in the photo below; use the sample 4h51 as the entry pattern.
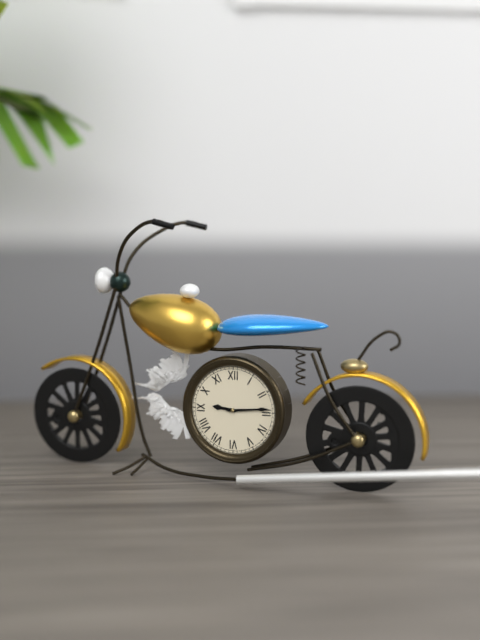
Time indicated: 9h14
